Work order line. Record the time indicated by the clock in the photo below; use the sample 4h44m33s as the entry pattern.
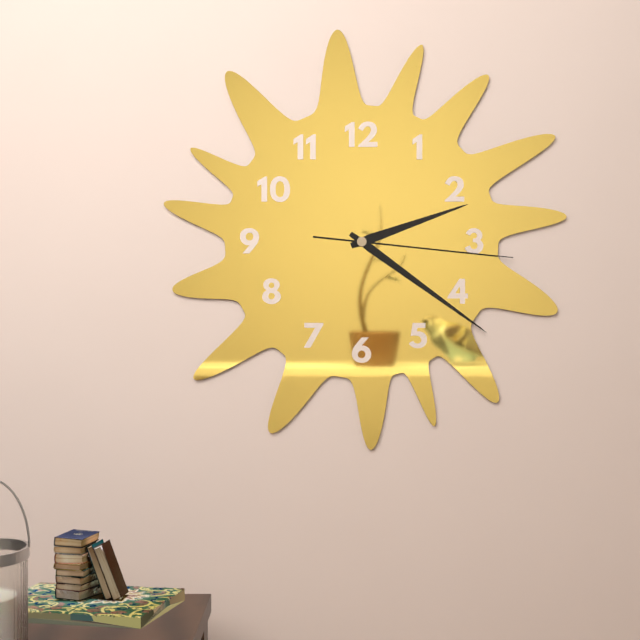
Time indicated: 2h21m16s
